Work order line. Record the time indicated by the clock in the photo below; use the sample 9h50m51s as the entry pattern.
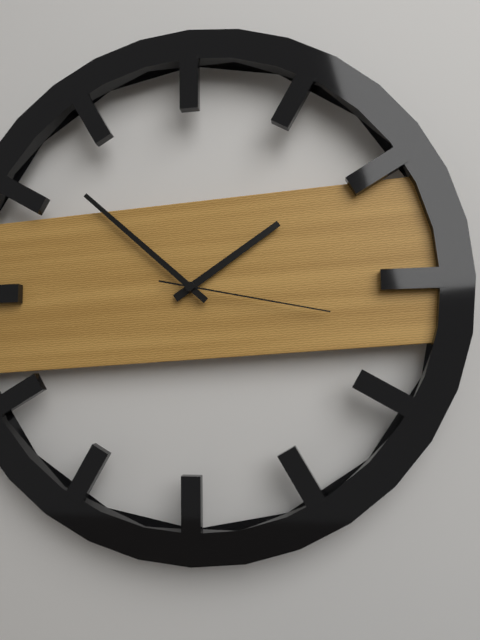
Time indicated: 1h52m17s
